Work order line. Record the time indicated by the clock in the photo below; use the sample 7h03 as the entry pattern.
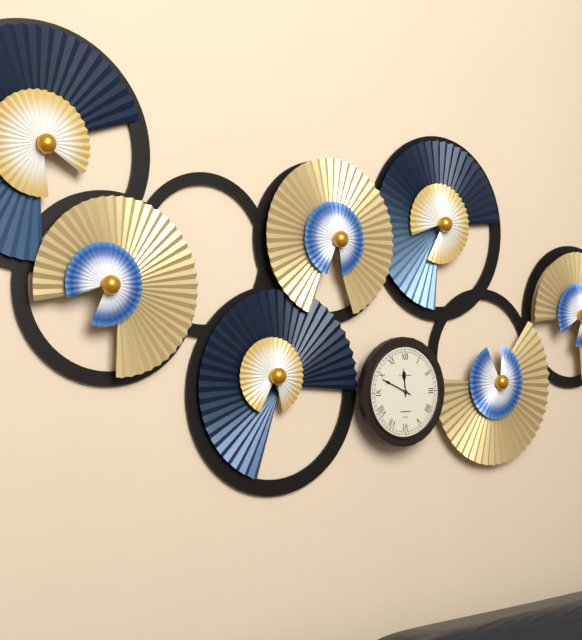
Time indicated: 11h49
